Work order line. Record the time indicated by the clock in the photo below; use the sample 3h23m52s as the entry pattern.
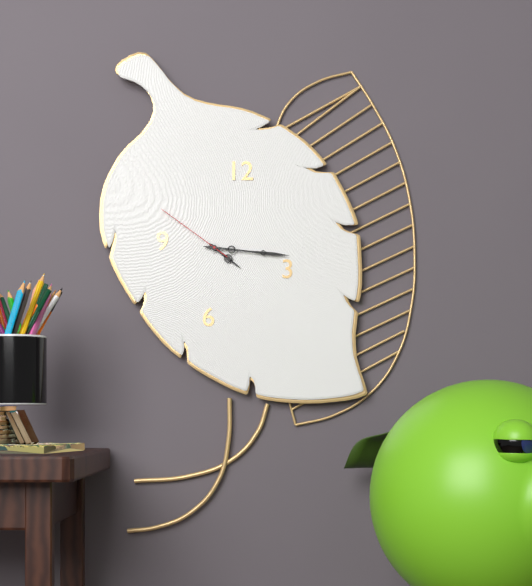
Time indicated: 4h16m51s
